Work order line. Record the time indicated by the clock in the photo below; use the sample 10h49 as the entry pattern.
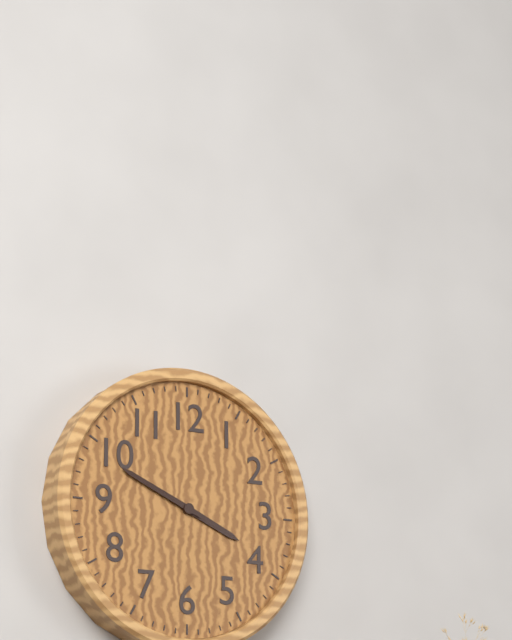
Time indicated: 3h49
